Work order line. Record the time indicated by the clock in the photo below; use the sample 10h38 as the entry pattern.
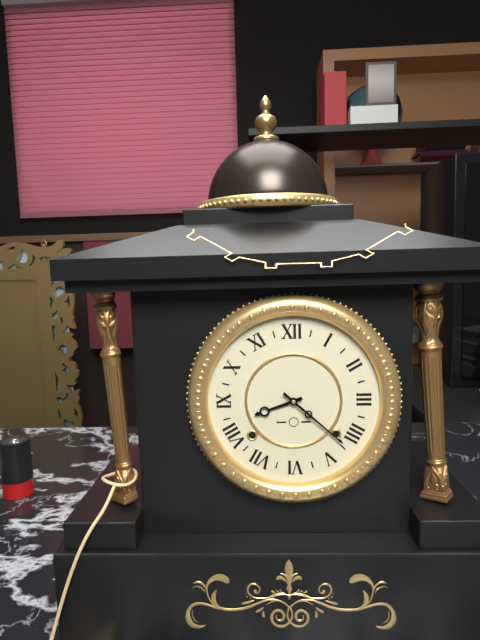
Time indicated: 8h22
